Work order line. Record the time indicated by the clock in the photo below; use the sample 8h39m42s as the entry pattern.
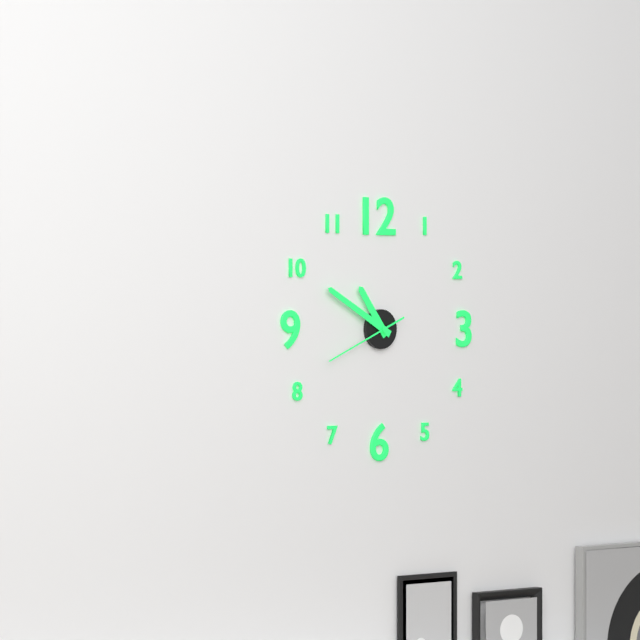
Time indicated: 10h50m41s
